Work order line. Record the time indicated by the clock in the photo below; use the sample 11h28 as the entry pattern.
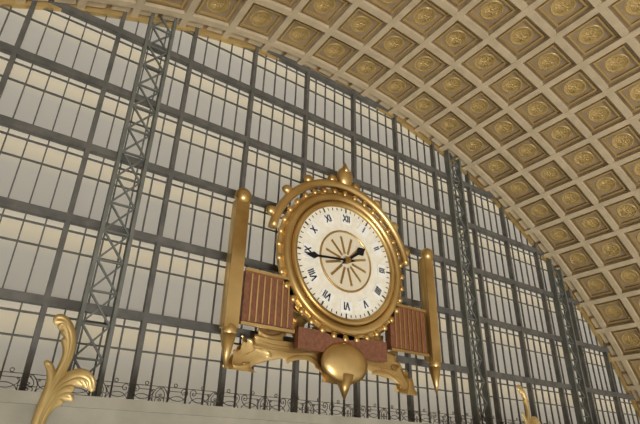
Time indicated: 1h44
